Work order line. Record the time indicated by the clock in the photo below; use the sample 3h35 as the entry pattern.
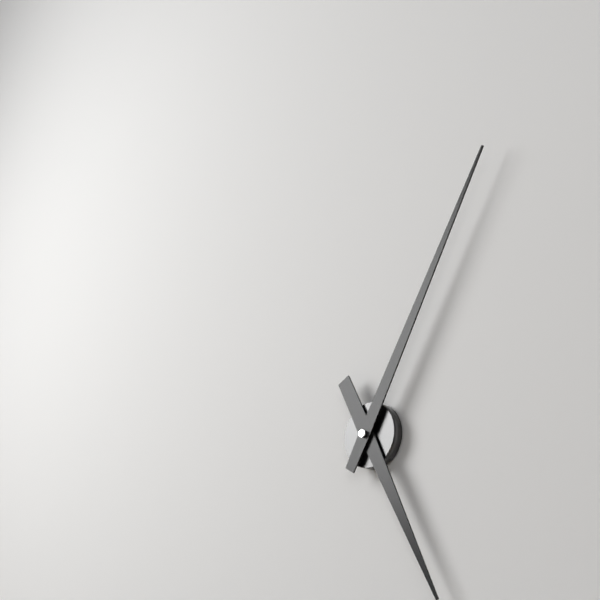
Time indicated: 5h05
